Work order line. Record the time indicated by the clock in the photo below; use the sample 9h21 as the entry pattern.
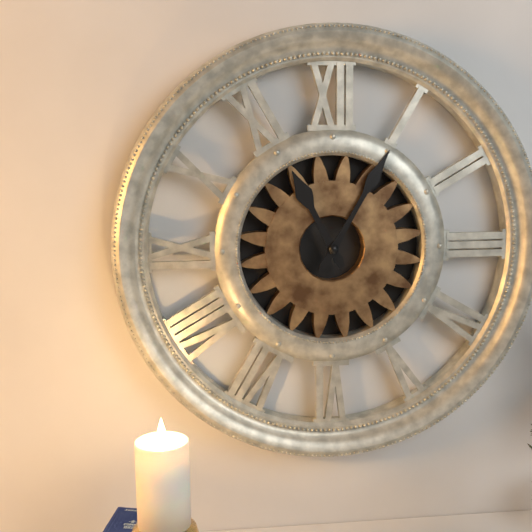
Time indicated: 11h05
